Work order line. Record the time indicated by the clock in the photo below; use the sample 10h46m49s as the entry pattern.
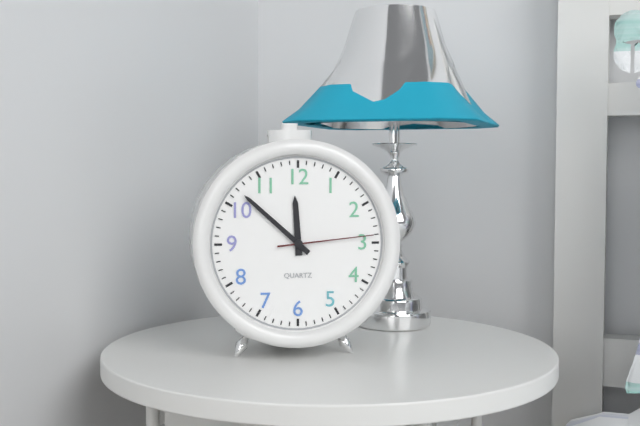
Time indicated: 11h52m14s
